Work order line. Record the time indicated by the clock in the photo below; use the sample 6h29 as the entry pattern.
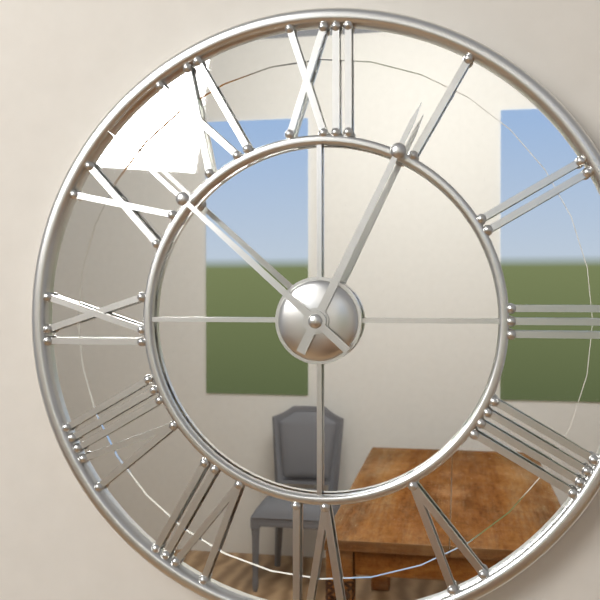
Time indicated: 12h52
